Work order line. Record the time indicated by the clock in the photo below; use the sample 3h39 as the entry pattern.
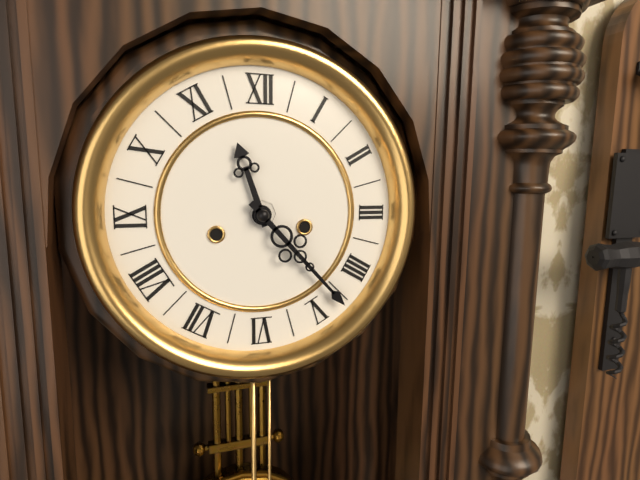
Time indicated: 11h23
